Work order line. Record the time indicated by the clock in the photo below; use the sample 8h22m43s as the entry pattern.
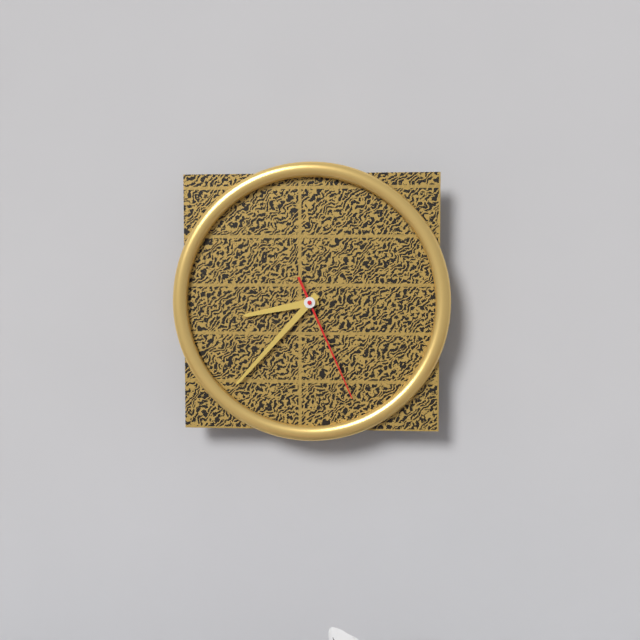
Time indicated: 8h37m26s
